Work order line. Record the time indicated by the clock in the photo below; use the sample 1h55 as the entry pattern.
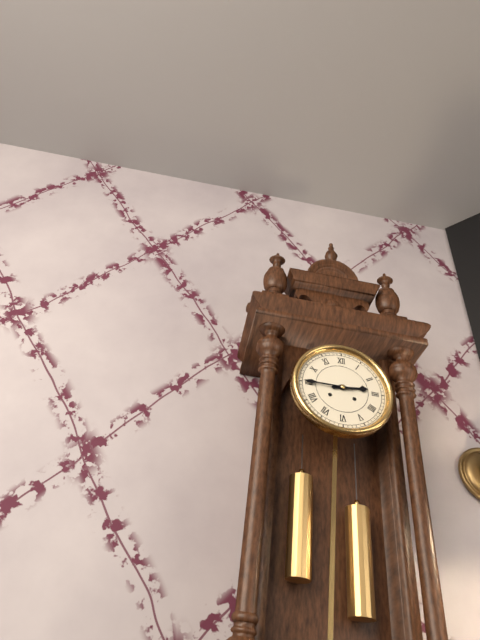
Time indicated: 2h45
